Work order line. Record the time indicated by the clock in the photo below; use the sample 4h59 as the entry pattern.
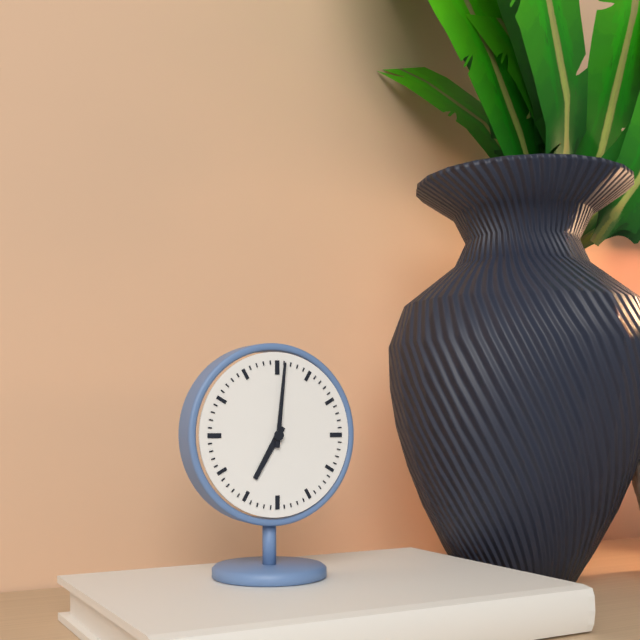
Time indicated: 7h01
